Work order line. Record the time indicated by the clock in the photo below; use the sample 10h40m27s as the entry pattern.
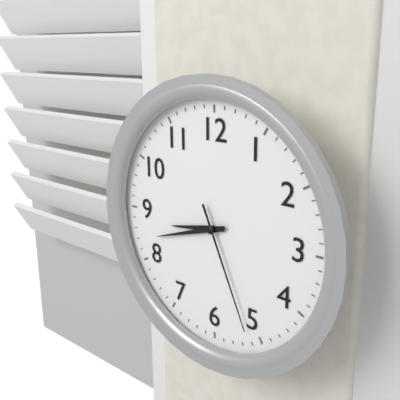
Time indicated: 8h42m26s
